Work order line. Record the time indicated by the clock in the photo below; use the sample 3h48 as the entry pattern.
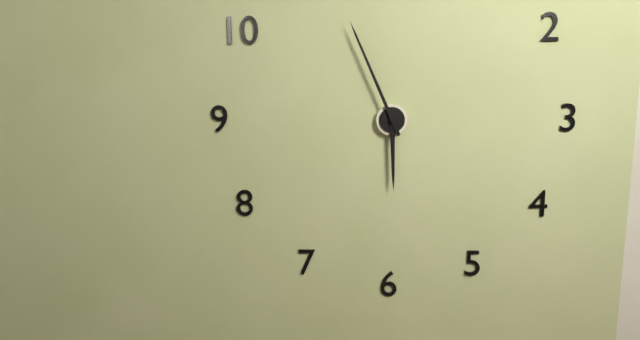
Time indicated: 5h56
